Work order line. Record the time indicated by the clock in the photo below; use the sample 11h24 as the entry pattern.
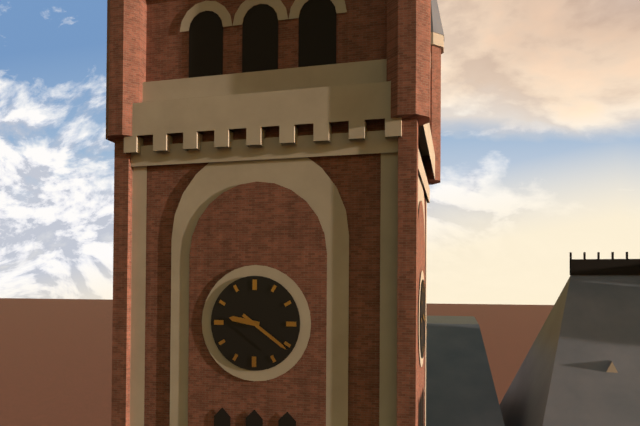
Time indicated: 9h21
